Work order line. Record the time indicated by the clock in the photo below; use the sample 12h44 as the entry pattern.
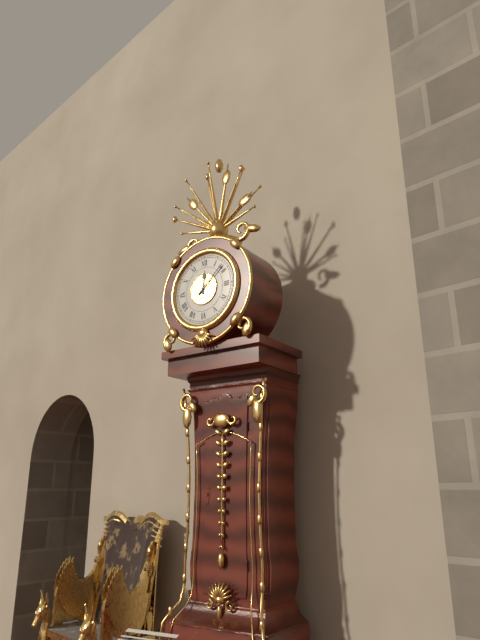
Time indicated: 12h08
